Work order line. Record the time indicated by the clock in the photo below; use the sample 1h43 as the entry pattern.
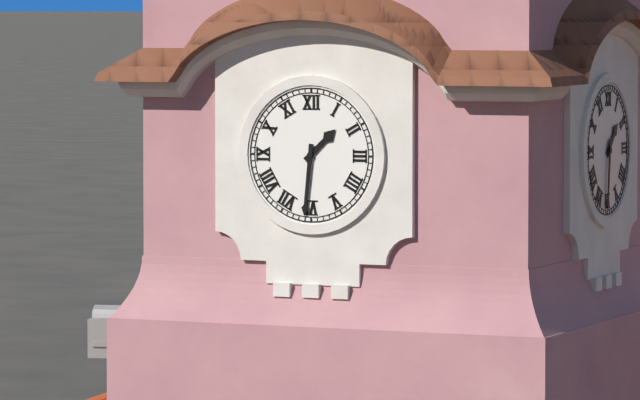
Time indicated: 1h31
